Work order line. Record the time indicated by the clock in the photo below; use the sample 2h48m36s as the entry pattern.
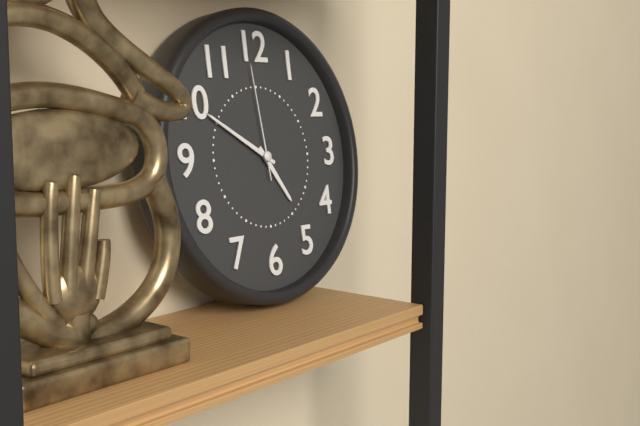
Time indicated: 4h50m59s
